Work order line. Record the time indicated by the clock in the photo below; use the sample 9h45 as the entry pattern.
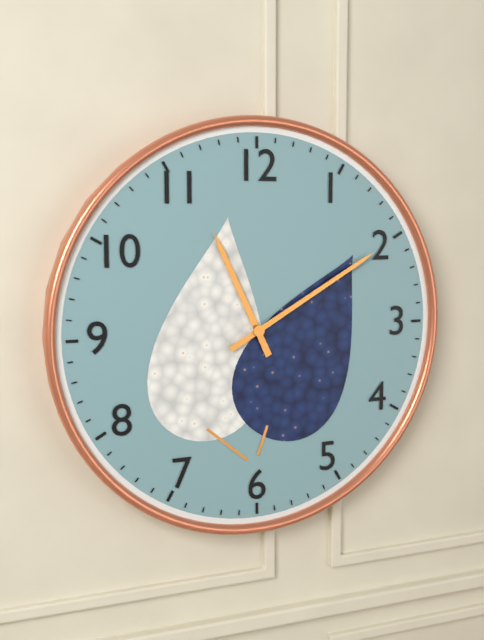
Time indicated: 11h10
